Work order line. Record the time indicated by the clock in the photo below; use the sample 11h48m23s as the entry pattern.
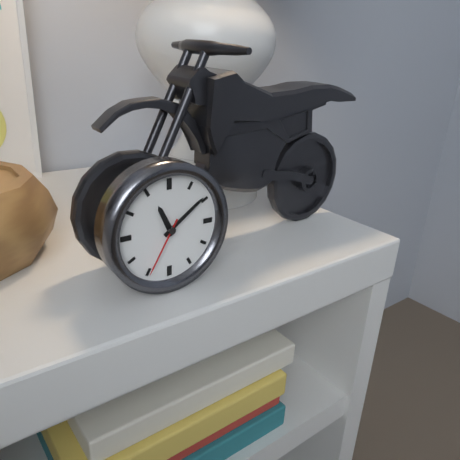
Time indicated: 11h09m35s
